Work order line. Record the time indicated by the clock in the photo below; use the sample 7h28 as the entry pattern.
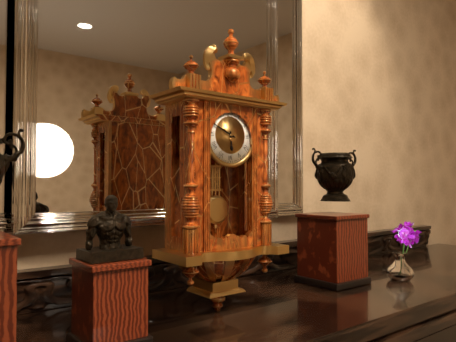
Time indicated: 5h49
